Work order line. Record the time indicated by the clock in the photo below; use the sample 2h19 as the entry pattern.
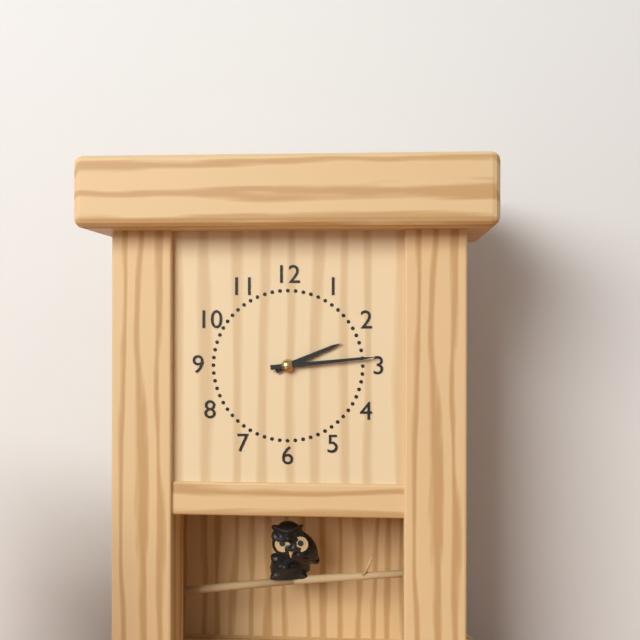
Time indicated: 2h14
